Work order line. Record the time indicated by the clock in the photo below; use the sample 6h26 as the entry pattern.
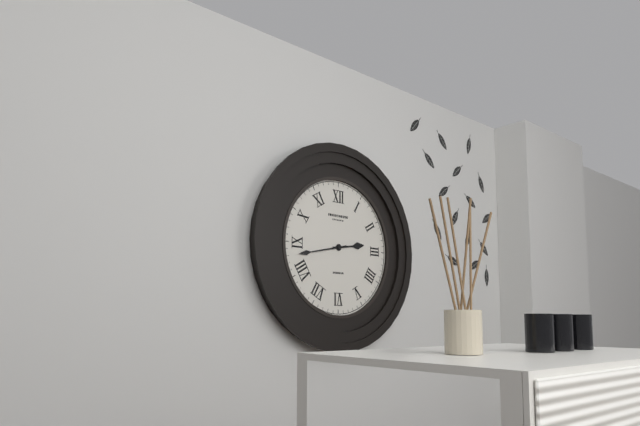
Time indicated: 2h43
